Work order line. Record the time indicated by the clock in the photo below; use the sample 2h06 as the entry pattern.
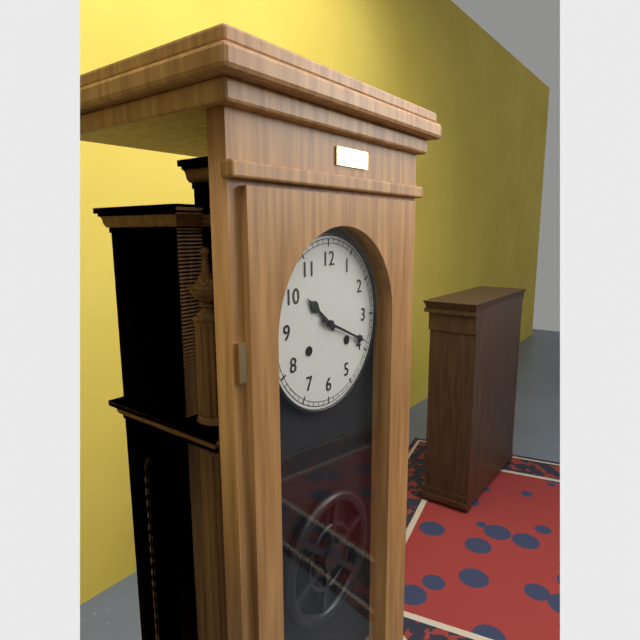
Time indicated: 10h19
